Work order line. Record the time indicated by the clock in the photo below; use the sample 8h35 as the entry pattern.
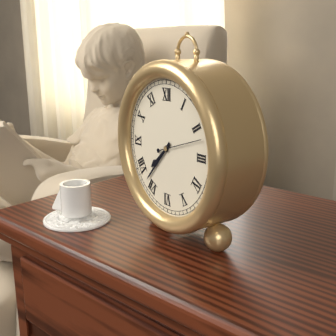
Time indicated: 7h37
